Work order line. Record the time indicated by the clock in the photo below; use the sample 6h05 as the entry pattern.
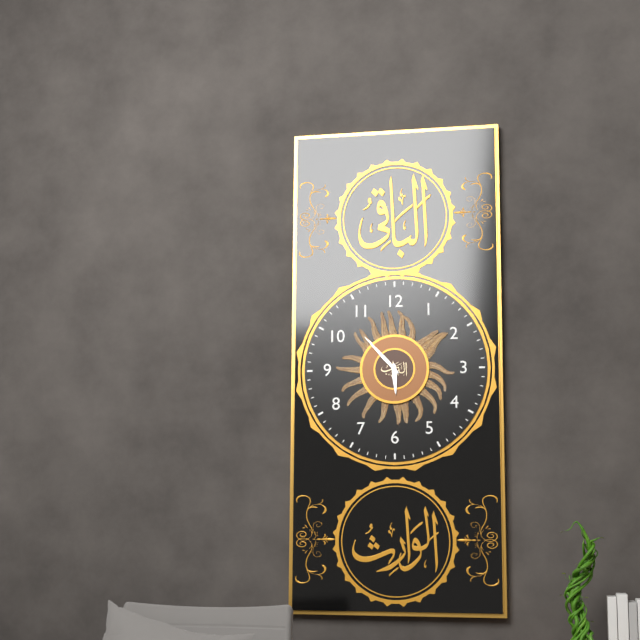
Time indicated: 5h53
